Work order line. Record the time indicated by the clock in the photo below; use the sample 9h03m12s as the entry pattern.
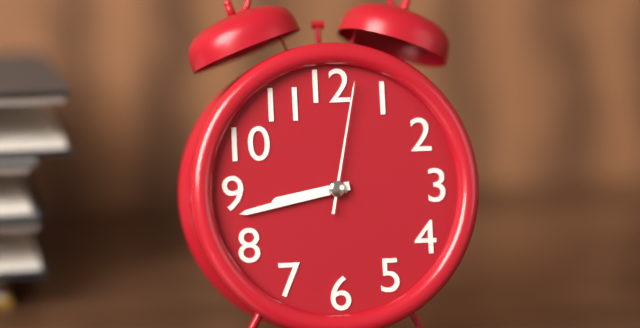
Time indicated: 8h43m02s
